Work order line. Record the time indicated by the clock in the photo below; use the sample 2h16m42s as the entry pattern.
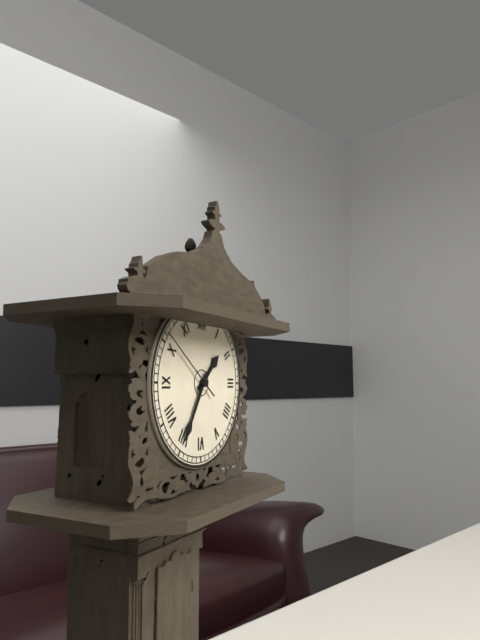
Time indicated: 1h35m51s
